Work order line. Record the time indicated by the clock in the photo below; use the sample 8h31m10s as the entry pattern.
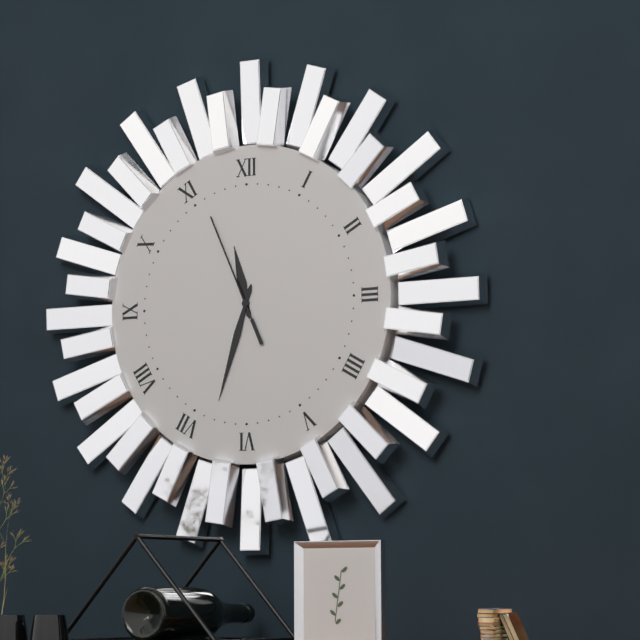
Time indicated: 11h33m56s
